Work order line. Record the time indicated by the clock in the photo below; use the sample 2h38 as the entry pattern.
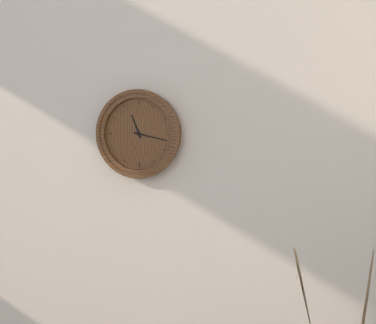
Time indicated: 11h17
